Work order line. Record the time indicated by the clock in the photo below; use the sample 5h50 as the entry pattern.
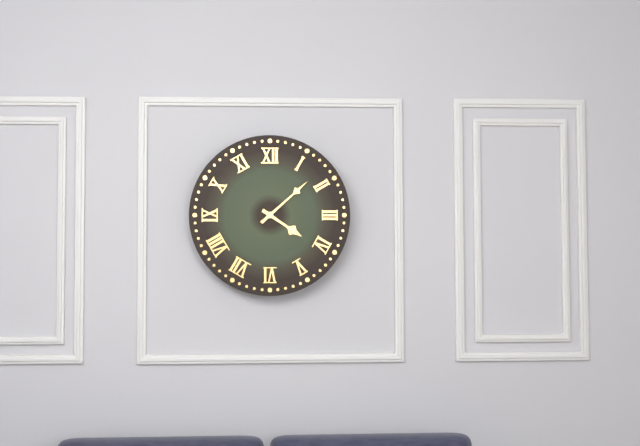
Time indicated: 4h08
